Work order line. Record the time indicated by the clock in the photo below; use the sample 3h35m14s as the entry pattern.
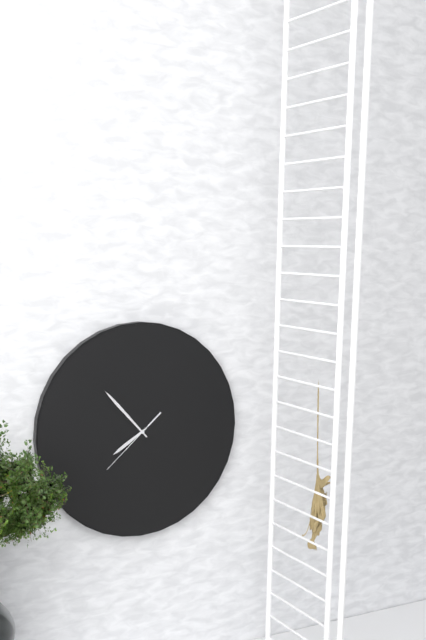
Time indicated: 7h53m38s
